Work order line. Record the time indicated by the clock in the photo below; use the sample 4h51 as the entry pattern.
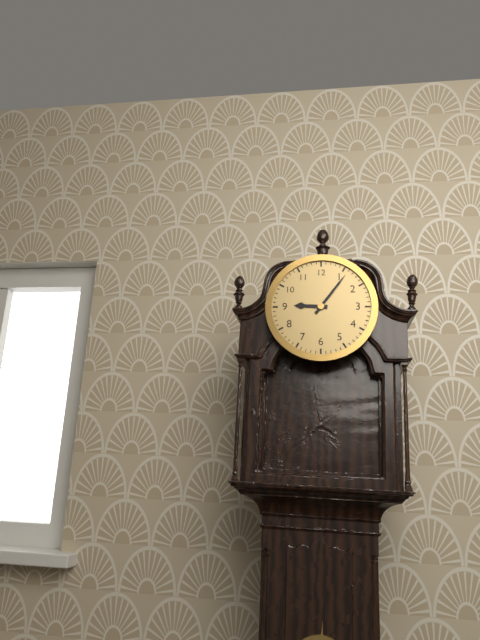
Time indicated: 9h06
